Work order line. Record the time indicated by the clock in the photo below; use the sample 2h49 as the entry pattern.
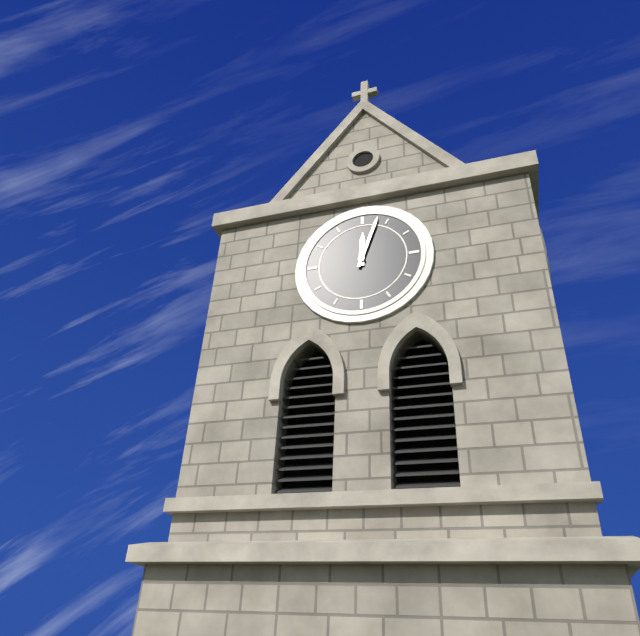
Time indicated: 12h03
